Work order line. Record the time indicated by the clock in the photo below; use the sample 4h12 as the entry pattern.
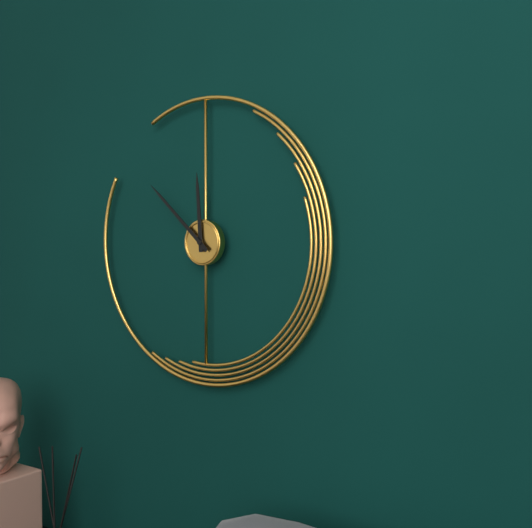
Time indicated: 11h52
